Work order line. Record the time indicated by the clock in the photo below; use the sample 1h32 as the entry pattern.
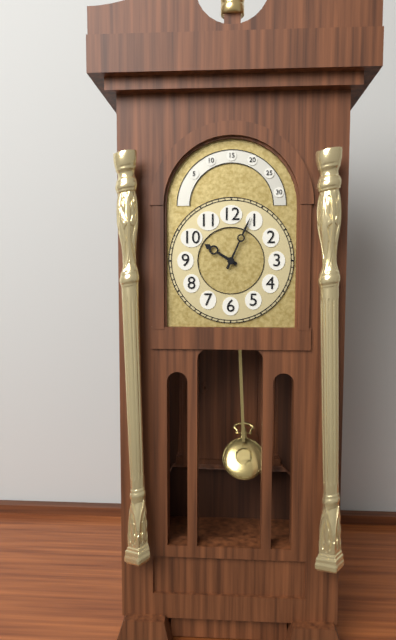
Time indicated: 10h04
